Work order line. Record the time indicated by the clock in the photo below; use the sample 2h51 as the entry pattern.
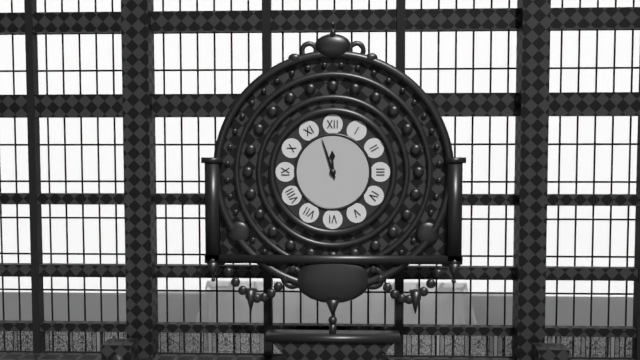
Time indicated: 11h57
